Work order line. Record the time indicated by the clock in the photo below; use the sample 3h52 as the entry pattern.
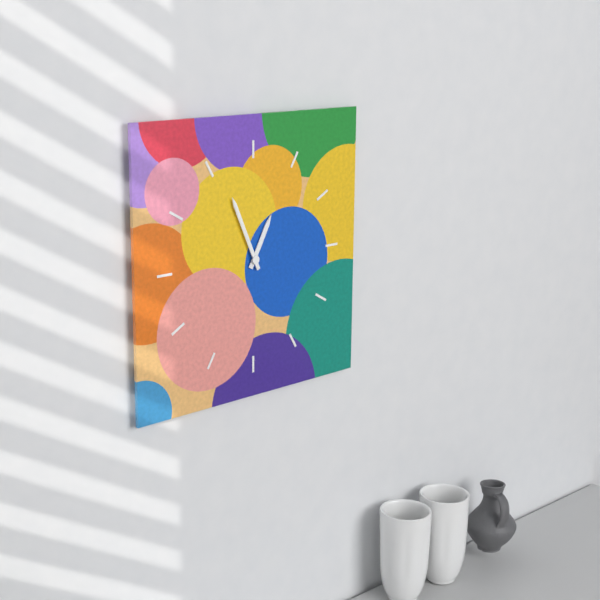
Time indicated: 12h56
